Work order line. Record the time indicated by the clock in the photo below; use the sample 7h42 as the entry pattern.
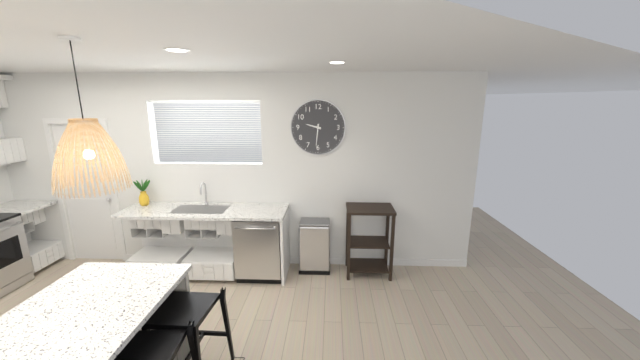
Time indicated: 9h31
